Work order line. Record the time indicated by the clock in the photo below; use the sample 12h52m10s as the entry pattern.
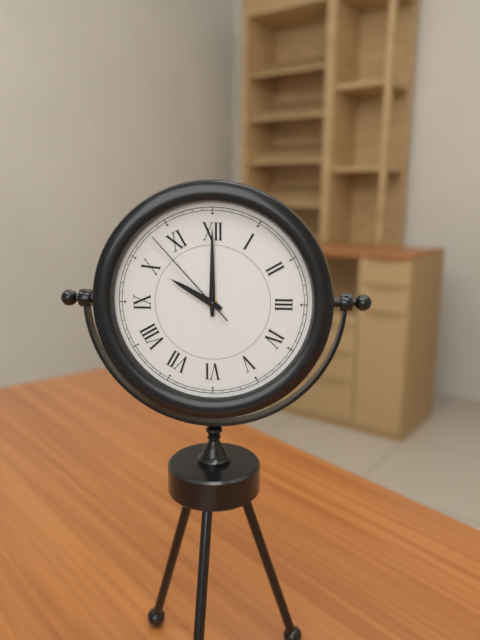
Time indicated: 10h00m53s
